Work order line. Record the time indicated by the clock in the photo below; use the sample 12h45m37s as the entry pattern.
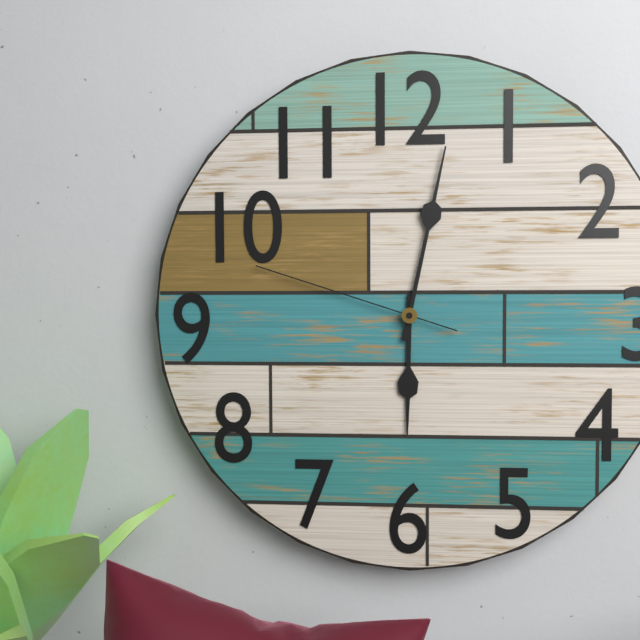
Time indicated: 6h02m48s
